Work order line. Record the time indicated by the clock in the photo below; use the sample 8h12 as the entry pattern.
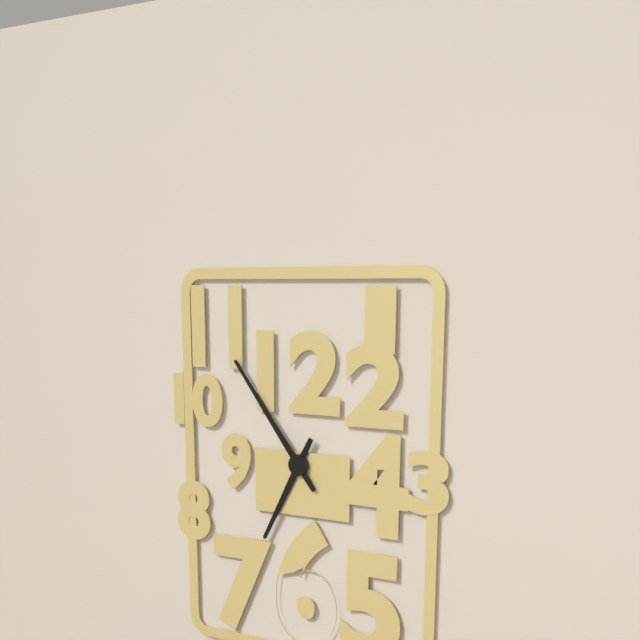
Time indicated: 6h54
